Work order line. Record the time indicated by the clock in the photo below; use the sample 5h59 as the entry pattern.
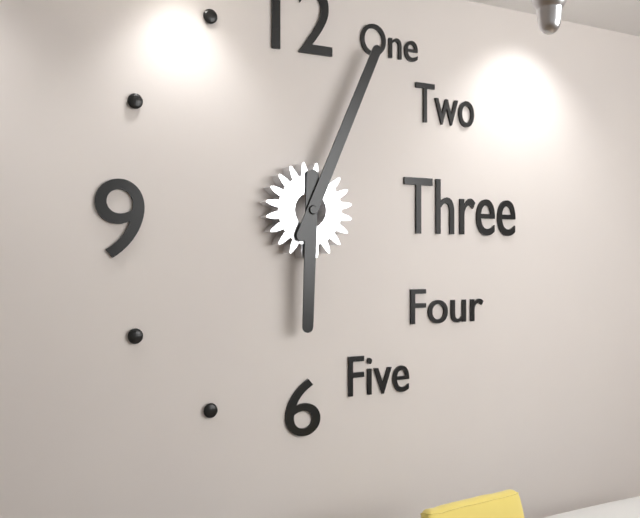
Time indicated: 6h04
